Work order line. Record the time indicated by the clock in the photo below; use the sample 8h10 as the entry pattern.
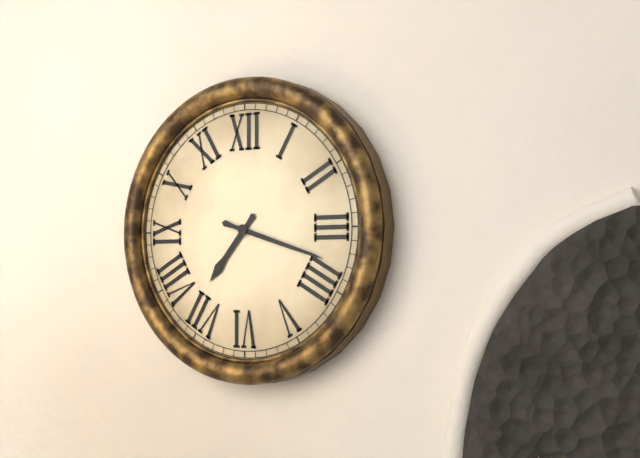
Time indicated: 7h18
